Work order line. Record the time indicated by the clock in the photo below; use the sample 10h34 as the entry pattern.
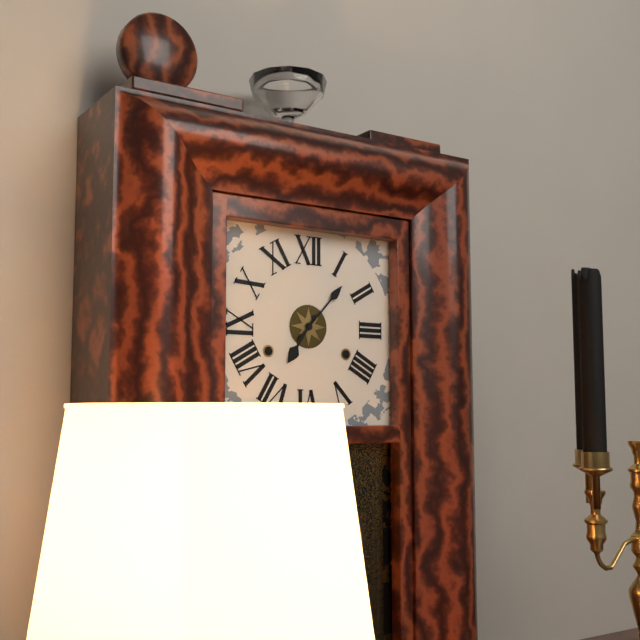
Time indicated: 7h07
